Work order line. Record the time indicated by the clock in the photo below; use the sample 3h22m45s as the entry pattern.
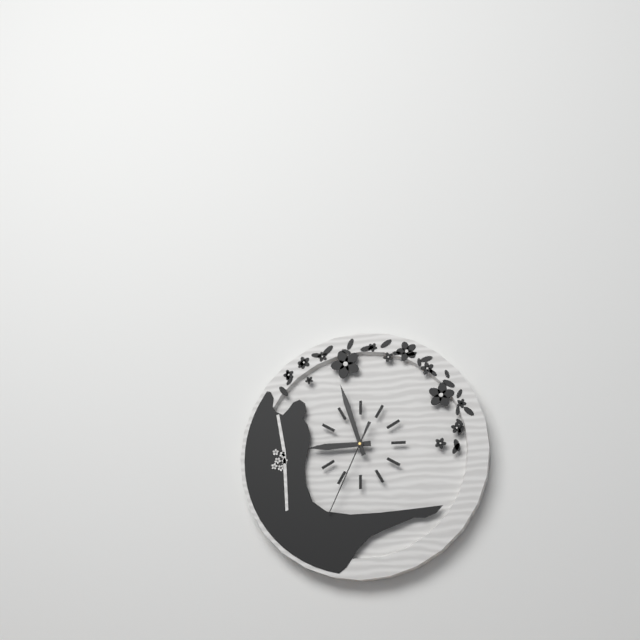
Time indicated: 8h57m34s
